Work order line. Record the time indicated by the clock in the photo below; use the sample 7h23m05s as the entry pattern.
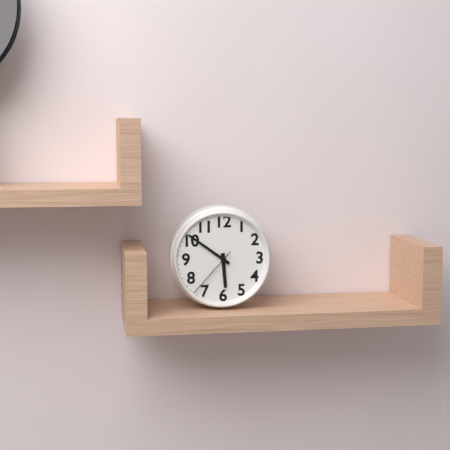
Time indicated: 5h51m37s
